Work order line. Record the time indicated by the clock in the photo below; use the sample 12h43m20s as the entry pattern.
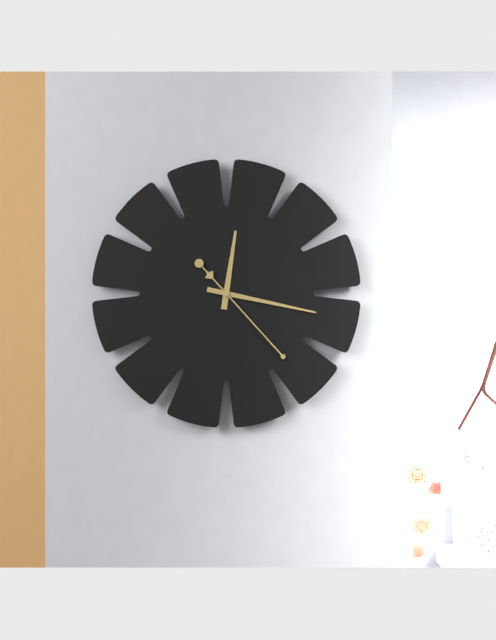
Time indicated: 12h17m23s
